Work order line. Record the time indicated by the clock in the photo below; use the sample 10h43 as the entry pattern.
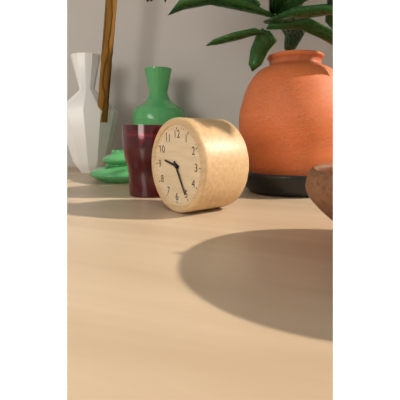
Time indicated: 9h25
